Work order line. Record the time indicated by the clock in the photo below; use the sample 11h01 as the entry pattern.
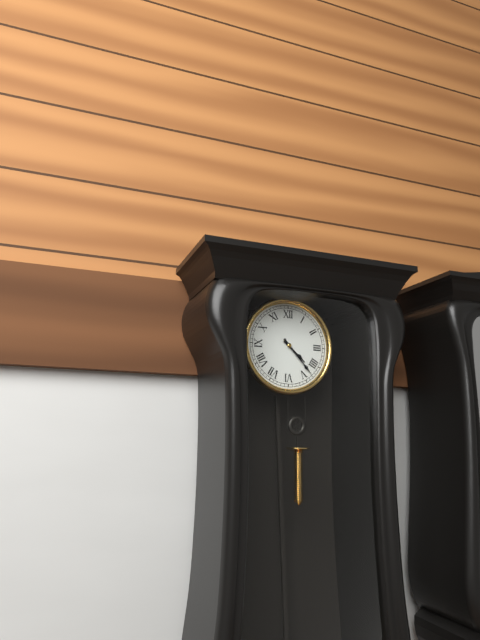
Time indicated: 4h23
